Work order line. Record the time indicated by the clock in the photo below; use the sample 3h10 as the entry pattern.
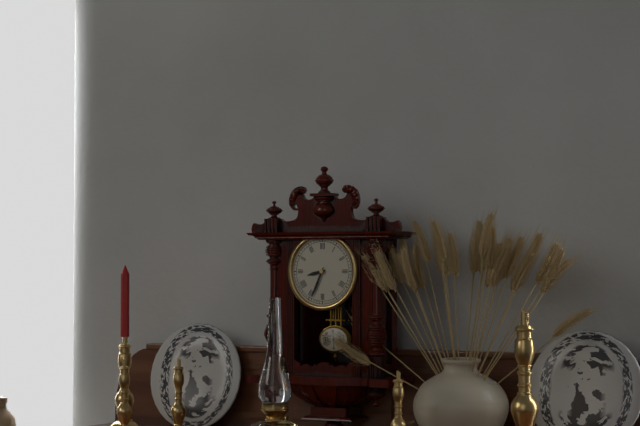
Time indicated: 8h34
